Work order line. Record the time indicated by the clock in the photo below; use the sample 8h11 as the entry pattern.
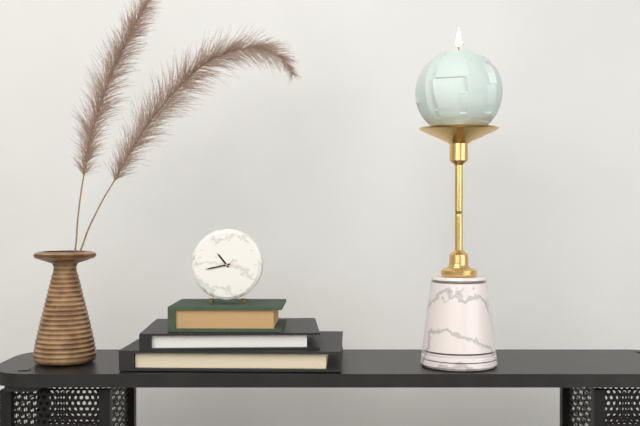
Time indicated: 10h43
